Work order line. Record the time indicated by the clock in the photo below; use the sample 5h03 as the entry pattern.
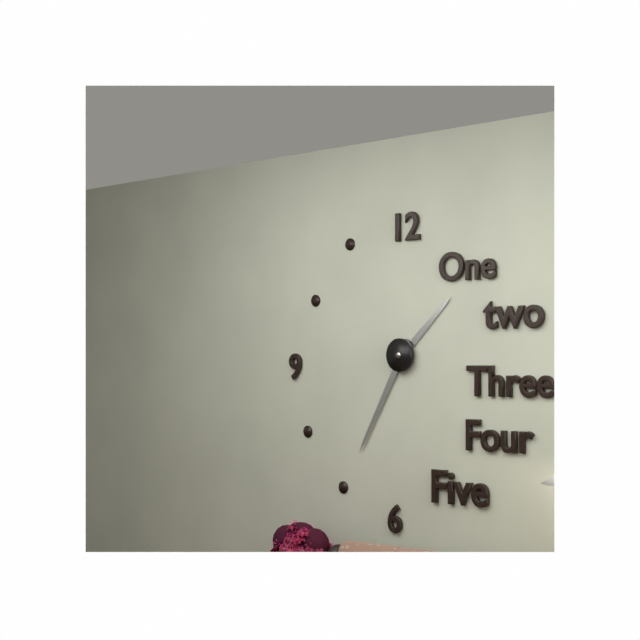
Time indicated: 1h35
